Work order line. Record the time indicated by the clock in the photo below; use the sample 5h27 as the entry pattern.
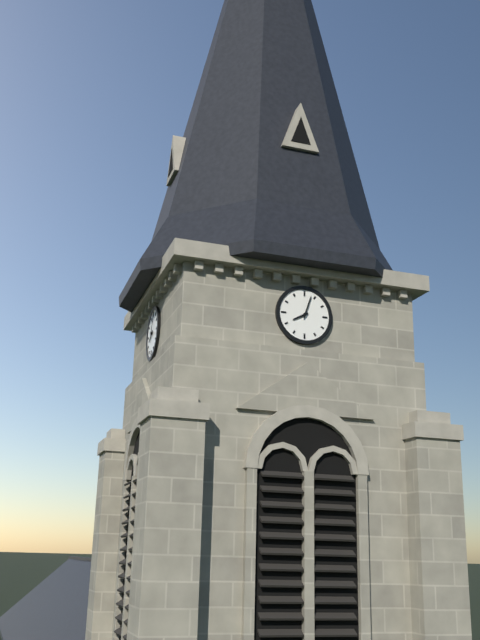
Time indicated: 8h03
